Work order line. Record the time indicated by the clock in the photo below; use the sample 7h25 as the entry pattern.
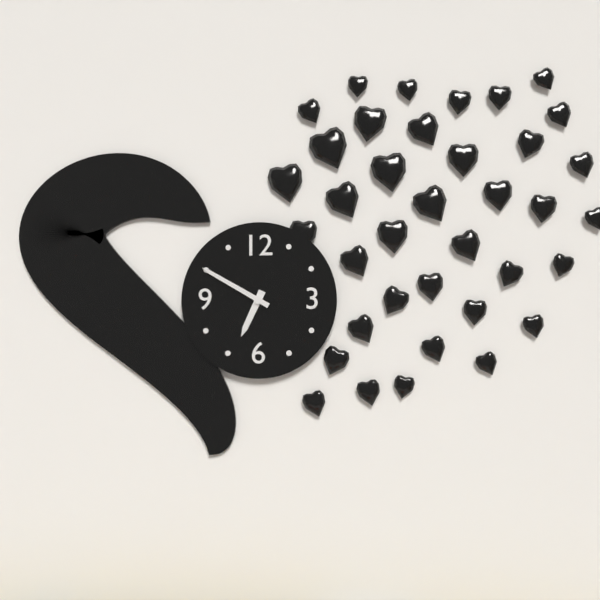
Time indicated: 6h50
